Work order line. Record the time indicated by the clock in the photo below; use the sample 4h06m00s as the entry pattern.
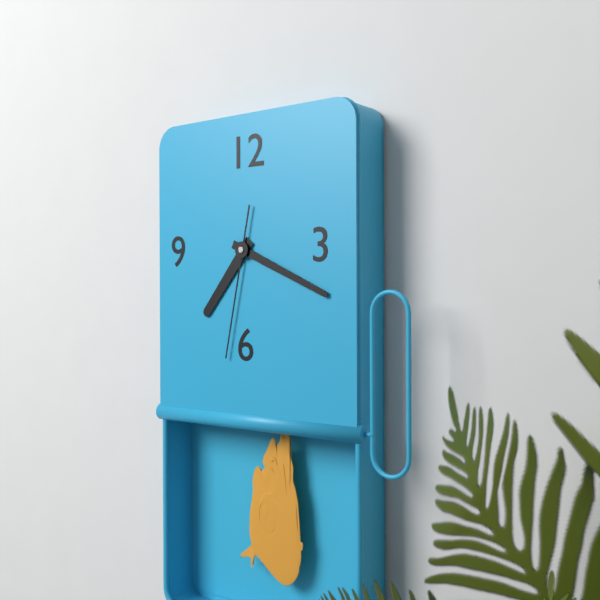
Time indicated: 7h19m32s
